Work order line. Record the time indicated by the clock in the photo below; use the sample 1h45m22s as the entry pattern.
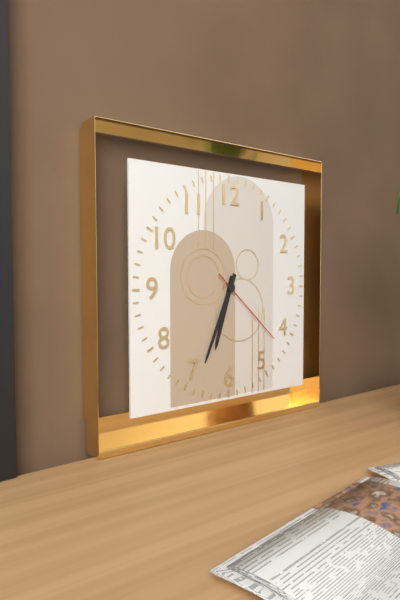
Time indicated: 6h34m22s
